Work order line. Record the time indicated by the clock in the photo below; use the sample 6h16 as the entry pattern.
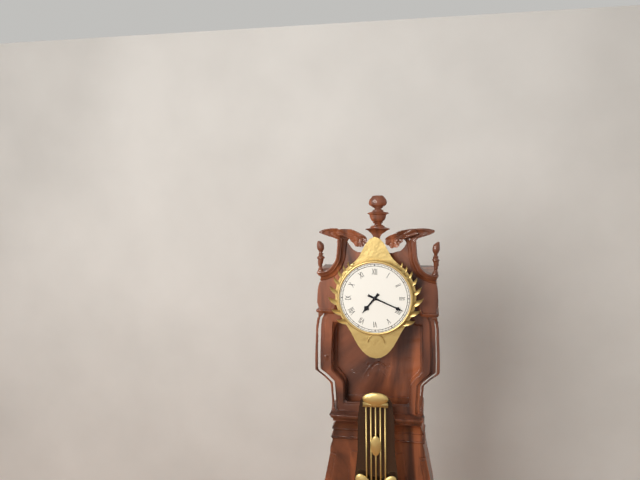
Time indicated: 7h19
